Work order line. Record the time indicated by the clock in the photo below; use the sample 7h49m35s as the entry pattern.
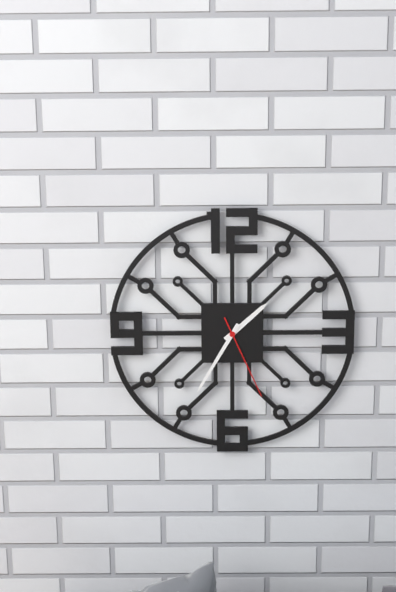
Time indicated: 1h35m26s
